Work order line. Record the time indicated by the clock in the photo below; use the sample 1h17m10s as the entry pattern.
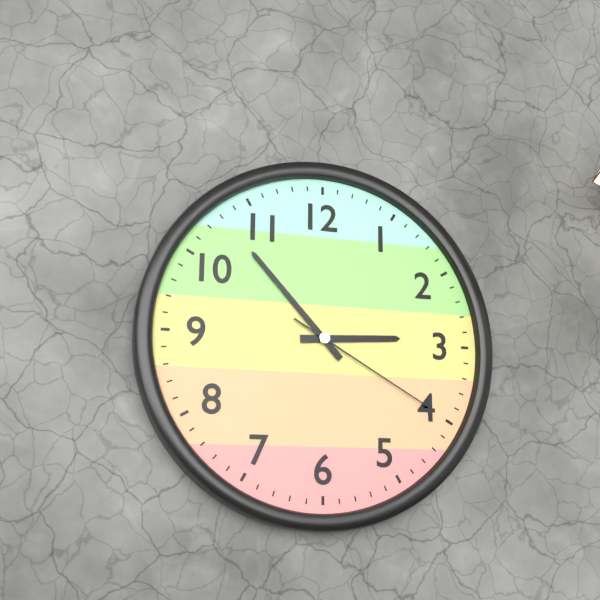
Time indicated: 2h53m20s
